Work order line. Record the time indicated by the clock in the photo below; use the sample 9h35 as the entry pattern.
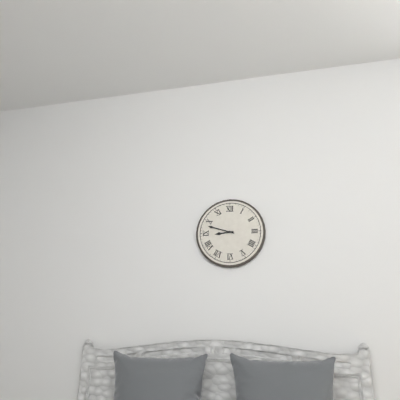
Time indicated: 8h48
